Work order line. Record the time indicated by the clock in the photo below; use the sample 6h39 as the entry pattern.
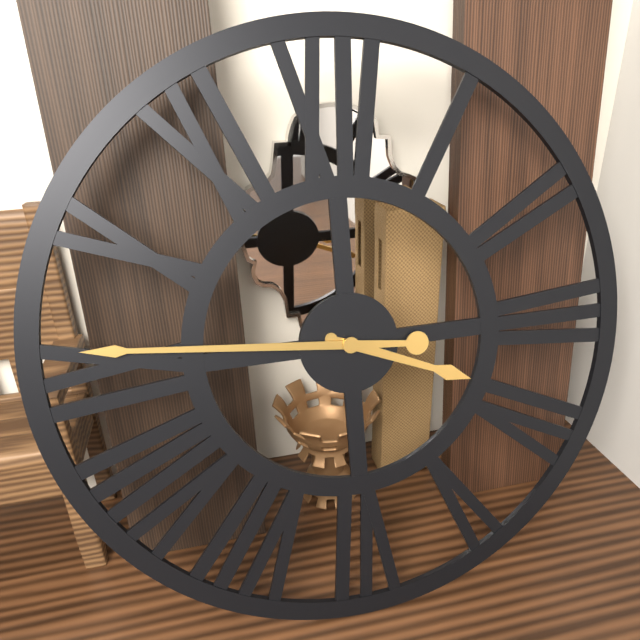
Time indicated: 3h46
